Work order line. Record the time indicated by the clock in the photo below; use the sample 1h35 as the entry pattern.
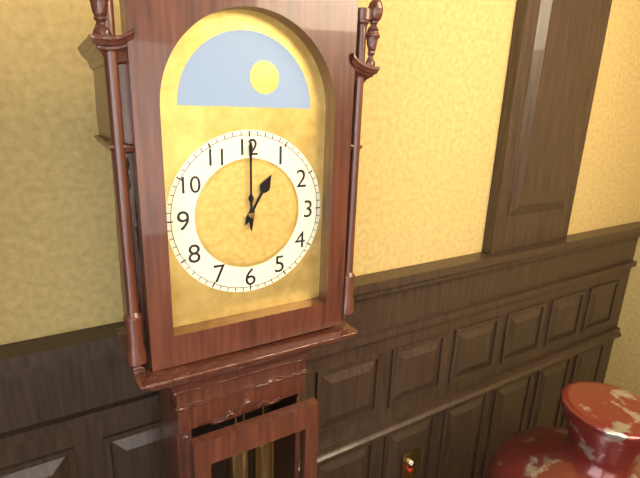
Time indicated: 1h00
